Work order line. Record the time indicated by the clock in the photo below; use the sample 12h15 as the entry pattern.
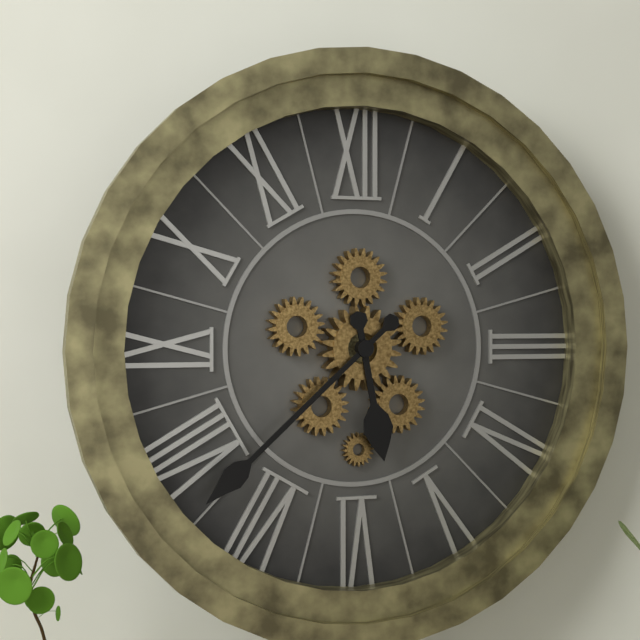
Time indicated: 5h38
